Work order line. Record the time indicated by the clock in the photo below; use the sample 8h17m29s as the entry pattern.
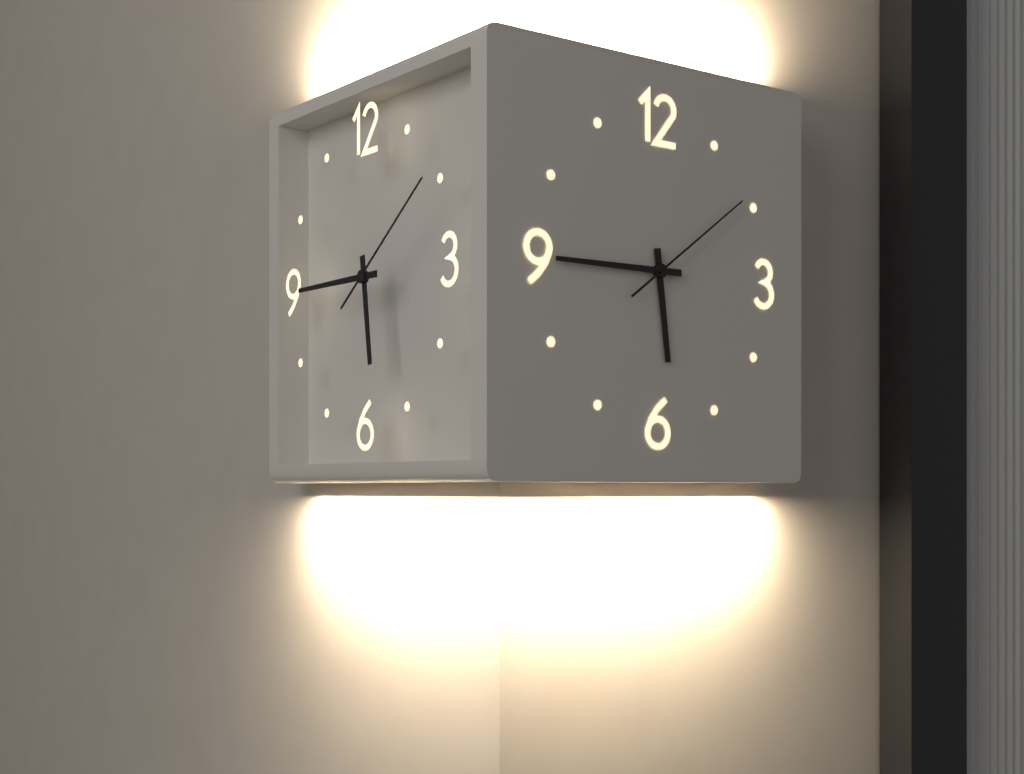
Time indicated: 5h45m09s
